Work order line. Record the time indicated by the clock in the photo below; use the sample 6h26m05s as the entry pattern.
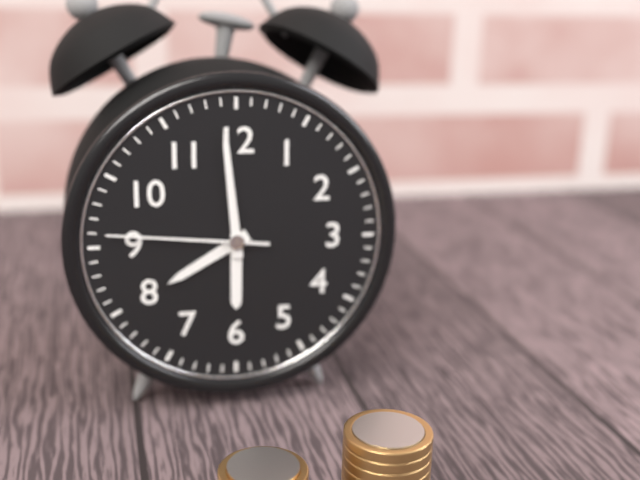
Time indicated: 7h59m46s
